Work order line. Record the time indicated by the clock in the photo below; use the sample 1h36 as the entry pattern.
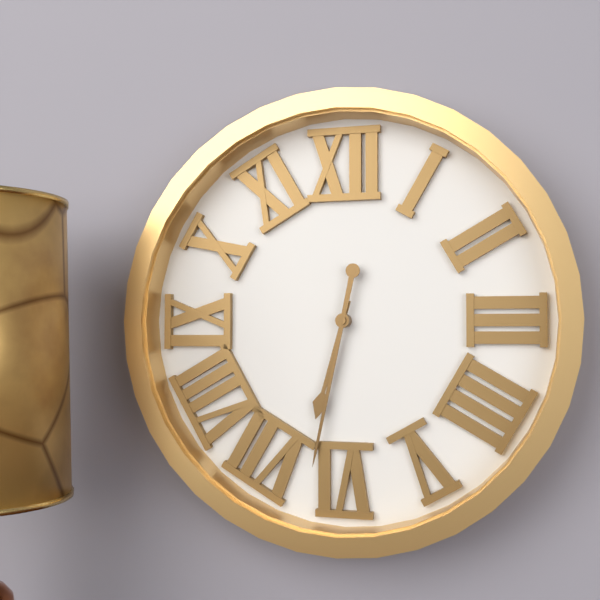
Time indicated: 6h32
